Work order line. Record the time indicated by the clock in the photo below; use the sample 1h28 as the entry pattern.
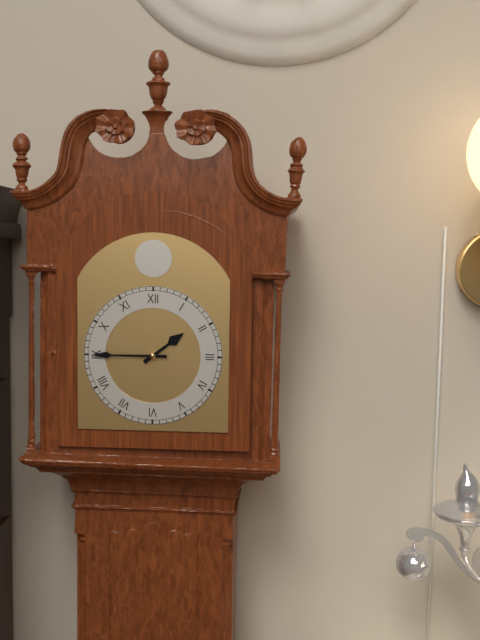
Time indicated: 1h45
